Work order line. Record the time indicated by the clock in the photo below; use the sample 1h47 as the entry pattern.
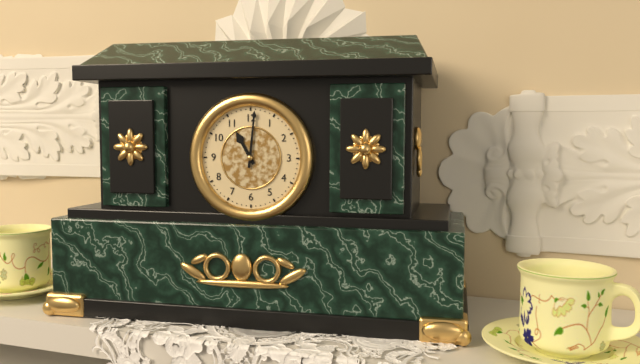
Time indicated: 11h01
